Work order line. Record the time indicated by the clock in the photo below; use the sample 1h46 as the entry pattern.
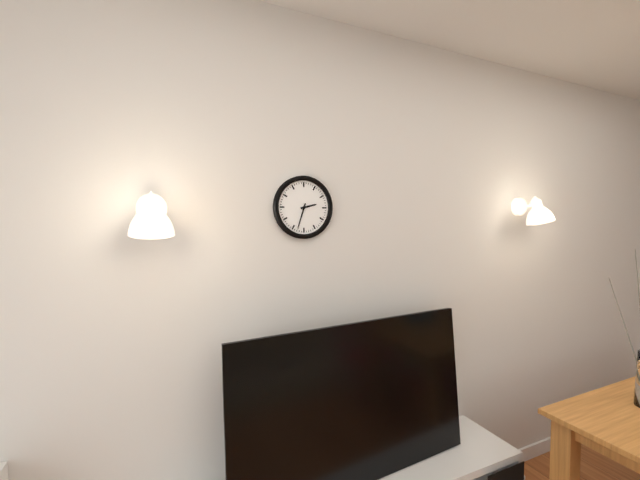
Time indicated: 2h33
